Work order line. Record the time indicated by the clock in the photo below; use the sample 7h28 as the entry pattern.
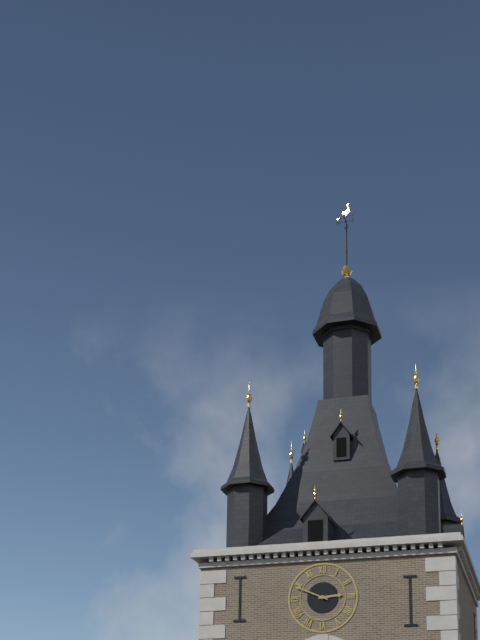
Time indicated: 2h49
